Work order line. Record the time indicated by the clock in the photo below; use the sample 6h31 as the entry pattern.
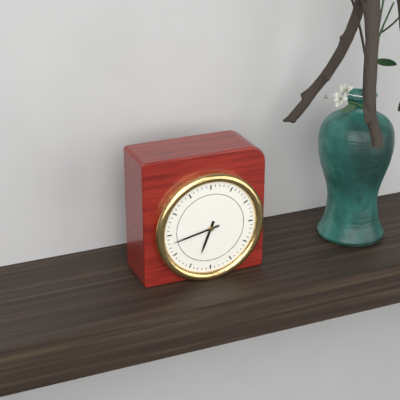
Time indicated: 6h43
